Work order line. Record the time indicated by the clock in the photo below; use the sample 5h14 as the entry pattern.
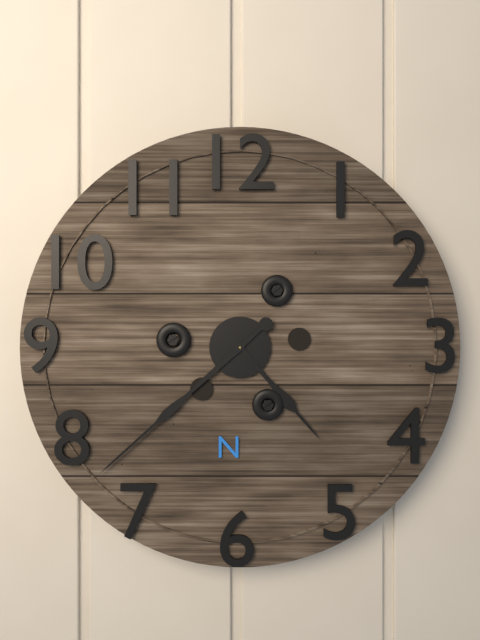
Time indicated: 4h38
